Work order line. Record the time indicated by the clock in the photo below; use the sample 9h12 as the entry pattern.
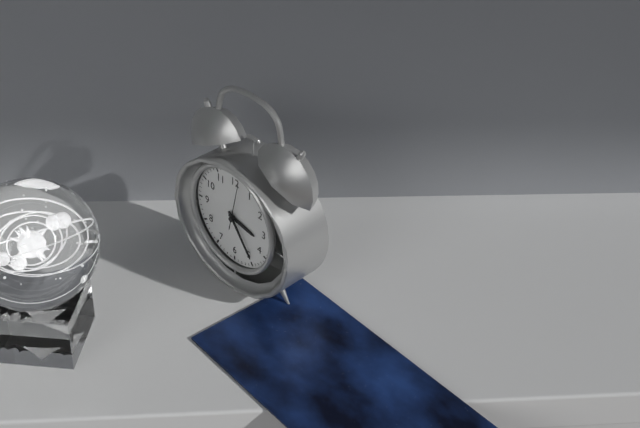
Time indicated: 3h24
